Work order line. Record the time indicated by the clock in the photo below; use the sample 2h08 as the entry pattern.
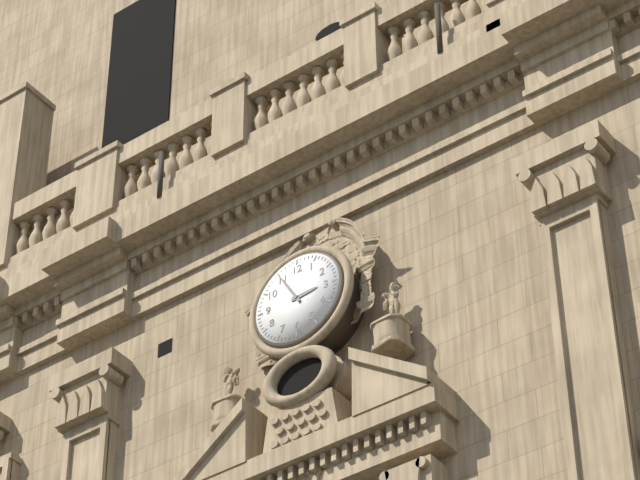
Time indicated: 2h55
